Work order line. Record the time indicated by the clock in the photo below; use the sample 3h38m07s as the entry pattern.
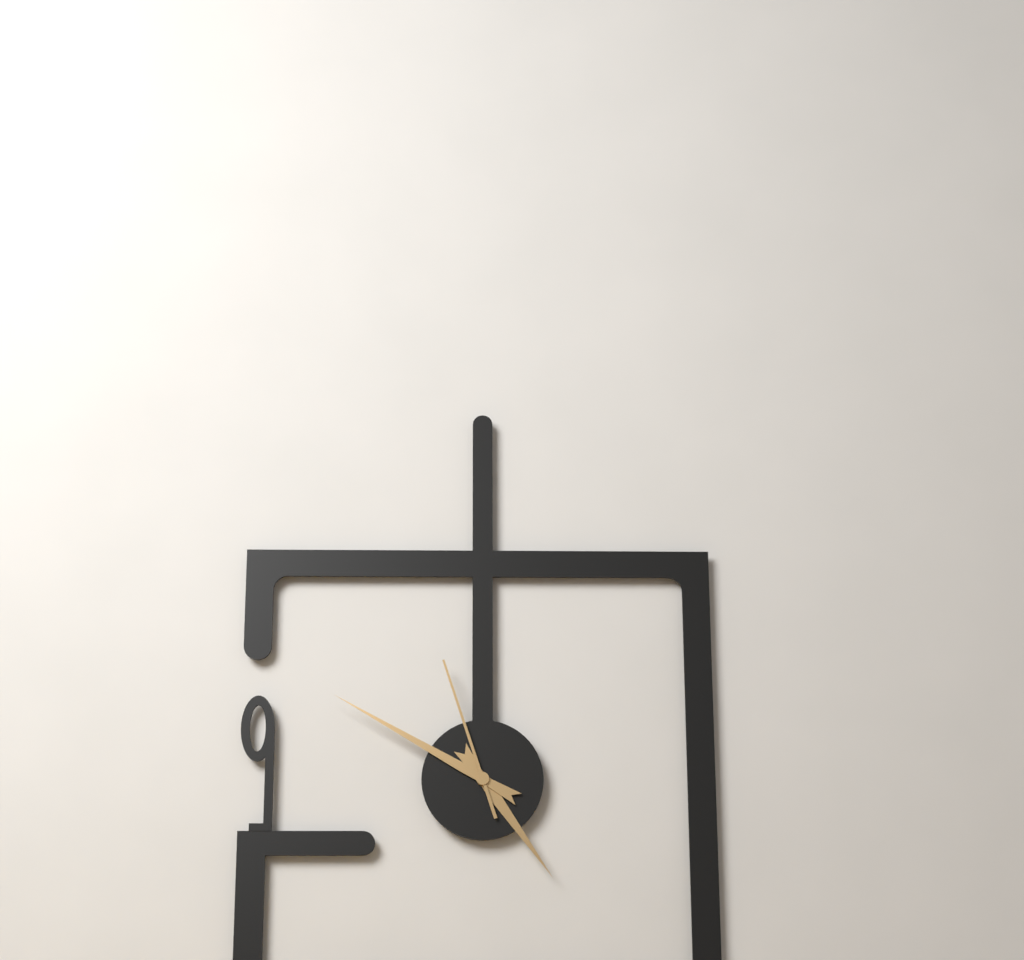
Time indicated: 4h50m57s
